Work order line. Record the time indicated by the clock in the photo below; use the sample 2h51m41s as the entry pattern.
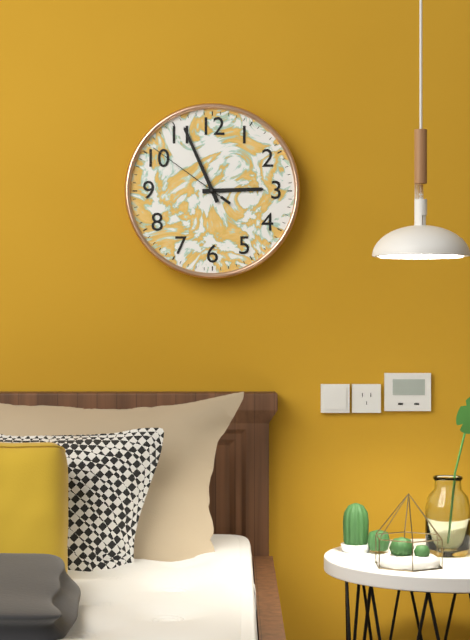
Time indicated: 2h56m51s
